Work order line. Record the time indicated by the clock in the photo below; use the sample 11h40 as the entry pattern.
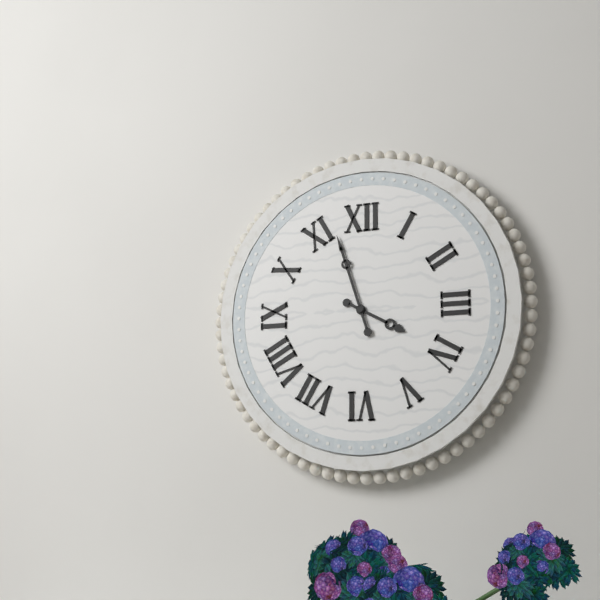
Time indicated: 3h57
